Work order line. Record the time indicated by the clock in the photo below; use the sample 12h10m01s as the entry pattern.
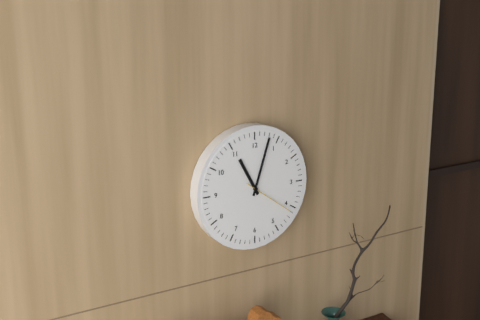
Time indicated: 11h03m21s
